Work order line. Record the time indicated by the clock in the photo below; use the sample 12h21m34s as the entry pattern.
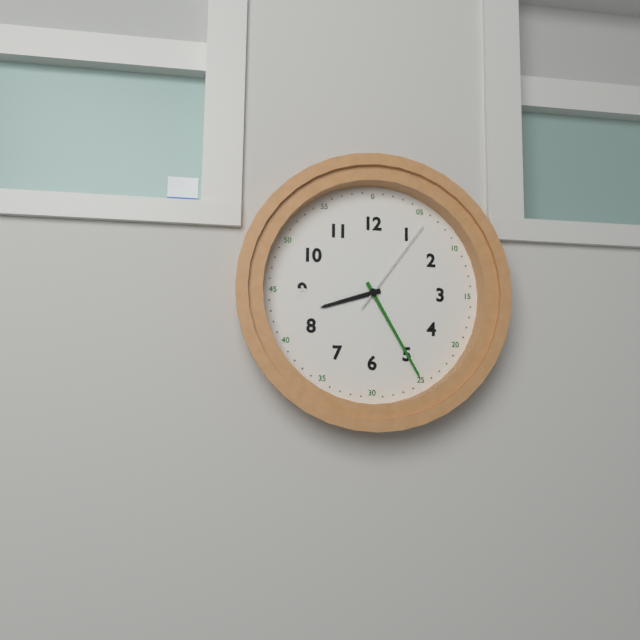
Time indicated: 8h25m06s
